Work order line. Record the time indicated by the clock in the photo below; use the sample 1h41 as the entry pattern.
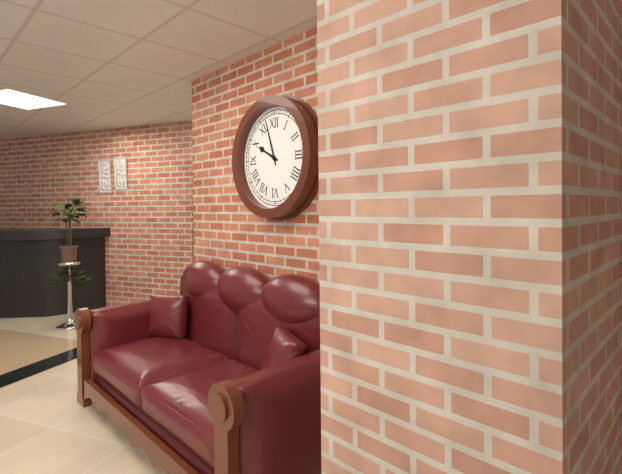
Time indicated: 9h57
